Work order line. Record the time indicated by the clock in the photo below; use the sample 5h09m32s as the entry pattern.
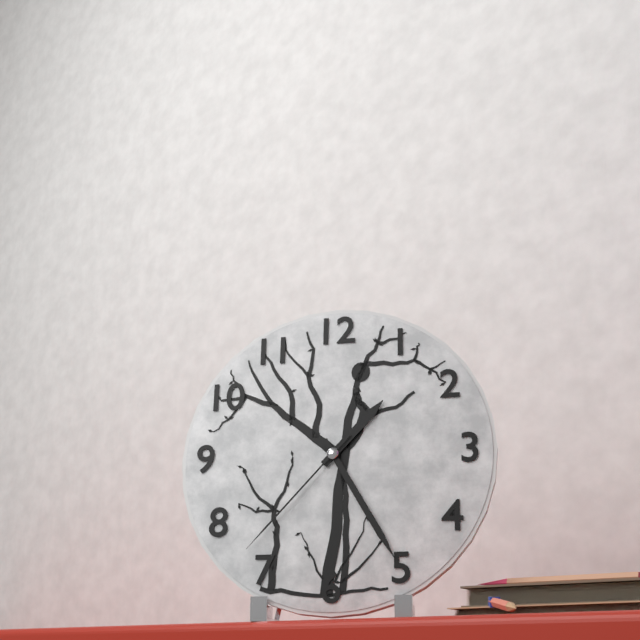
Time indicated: 1h25m37s
